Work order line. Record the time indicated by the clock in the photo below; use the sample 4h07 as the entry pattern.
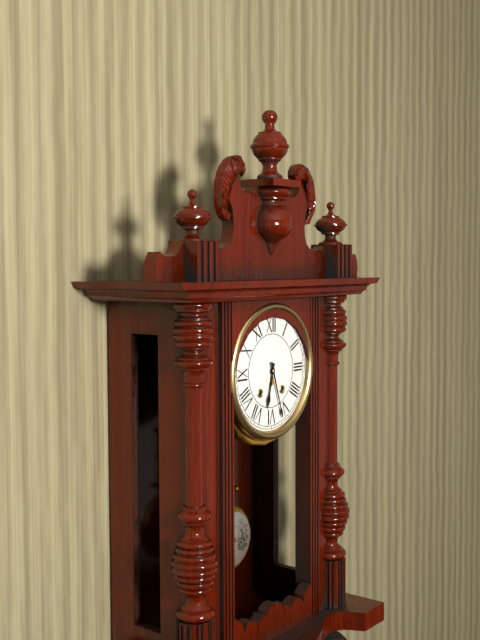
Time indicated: 6h27
